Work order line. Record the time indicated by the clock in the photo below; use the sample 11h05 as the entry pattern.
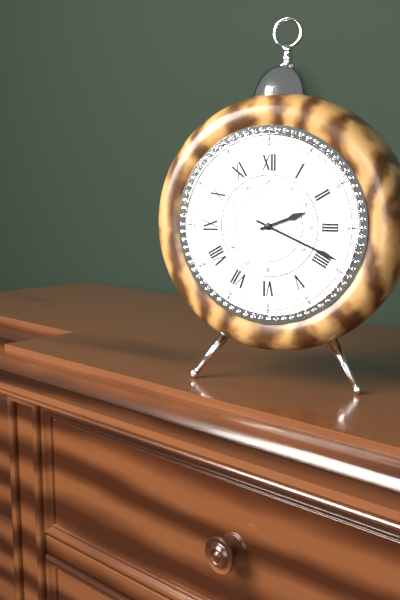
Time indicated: 2h19
